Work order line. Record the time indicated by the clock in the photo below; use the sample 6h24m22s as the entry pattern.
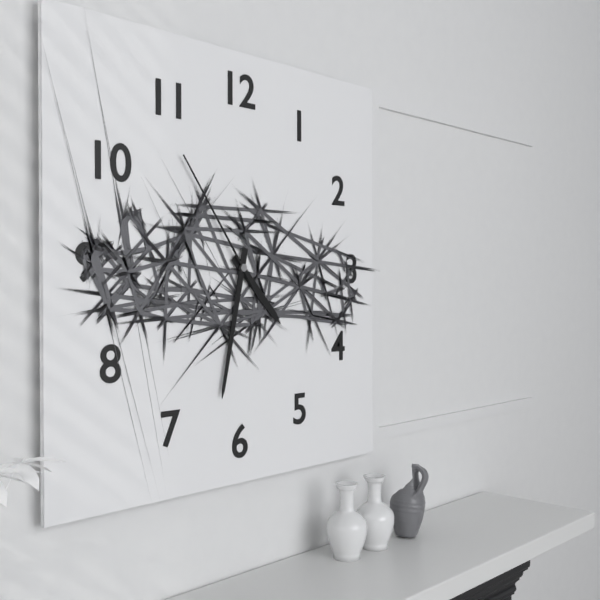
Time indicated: 4h32m54s
